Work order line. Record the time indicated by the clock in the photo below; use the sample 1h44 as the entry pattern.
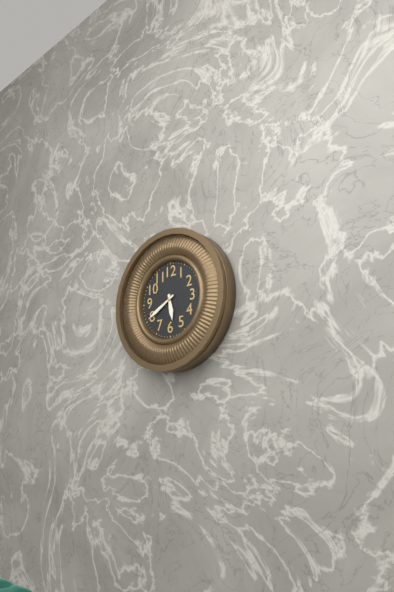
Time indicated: 5h40
